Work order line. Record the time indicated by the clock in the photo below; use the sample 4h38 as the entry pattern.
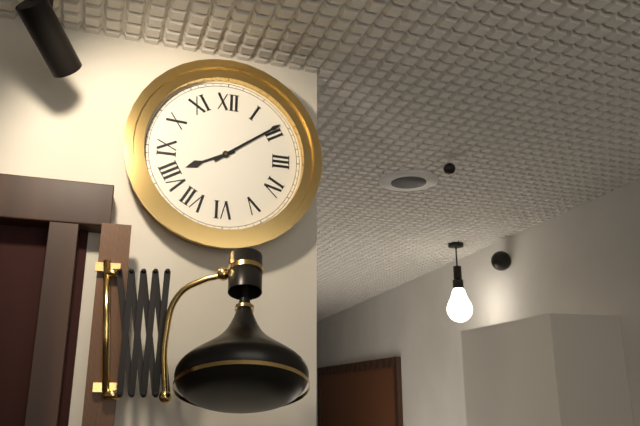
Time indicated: 8h09
